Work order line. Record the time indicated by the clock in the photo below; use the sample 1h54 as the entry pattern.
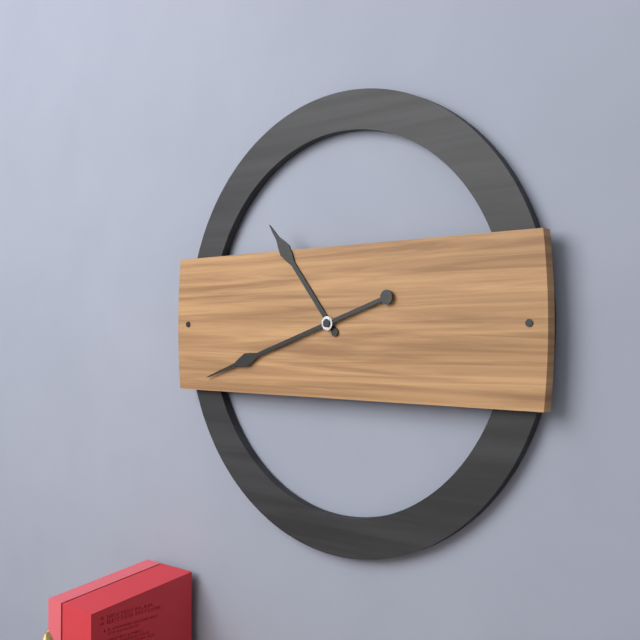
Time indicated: 10h42
